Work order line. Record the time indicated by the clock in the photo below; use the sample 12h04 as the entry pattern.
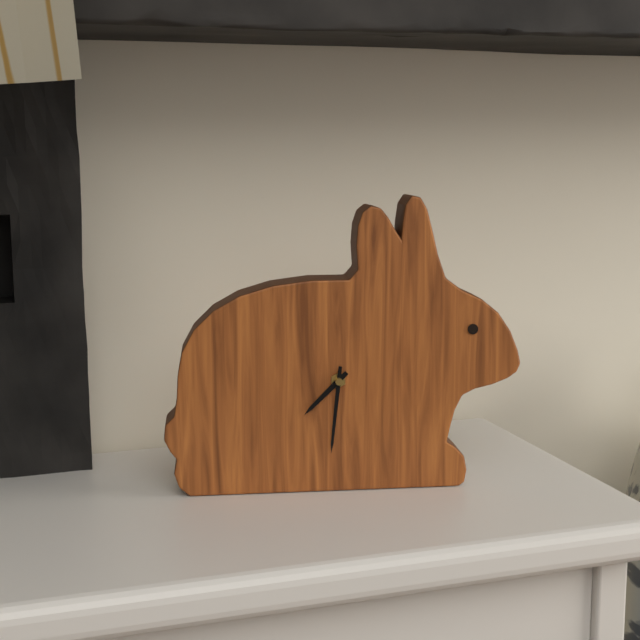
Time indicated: 7h31
